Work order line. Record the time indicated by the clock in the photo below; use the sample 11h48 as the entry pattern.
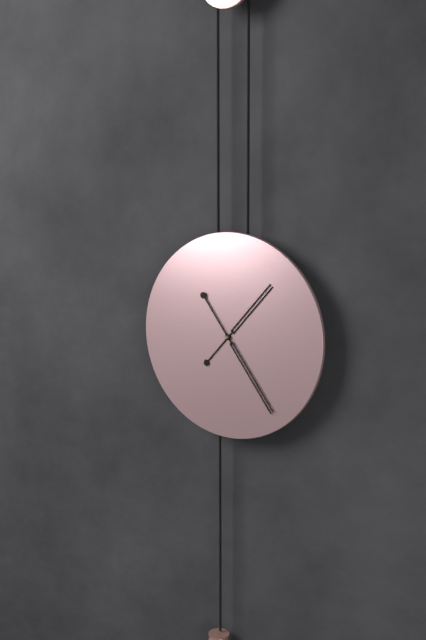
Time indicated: 1h24
